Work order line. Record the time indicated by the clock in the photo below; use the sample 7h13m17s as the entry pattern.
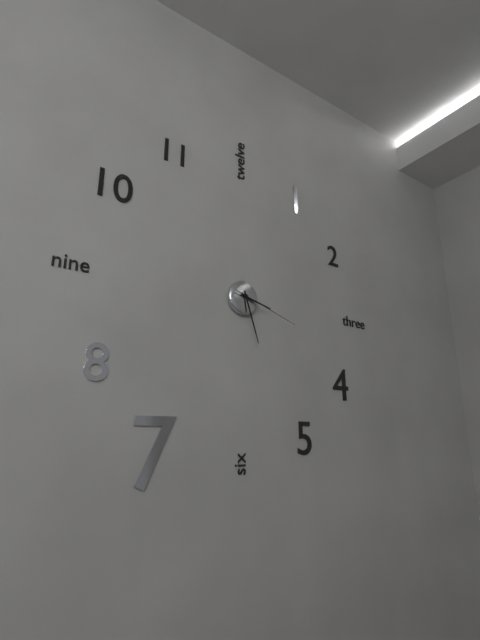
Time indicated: 3h27m18s
